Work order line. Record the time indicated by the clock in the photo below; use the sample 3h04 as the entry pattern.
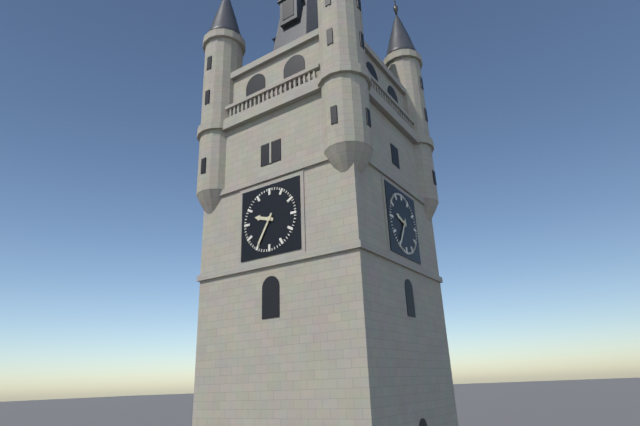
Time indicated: 9h35
